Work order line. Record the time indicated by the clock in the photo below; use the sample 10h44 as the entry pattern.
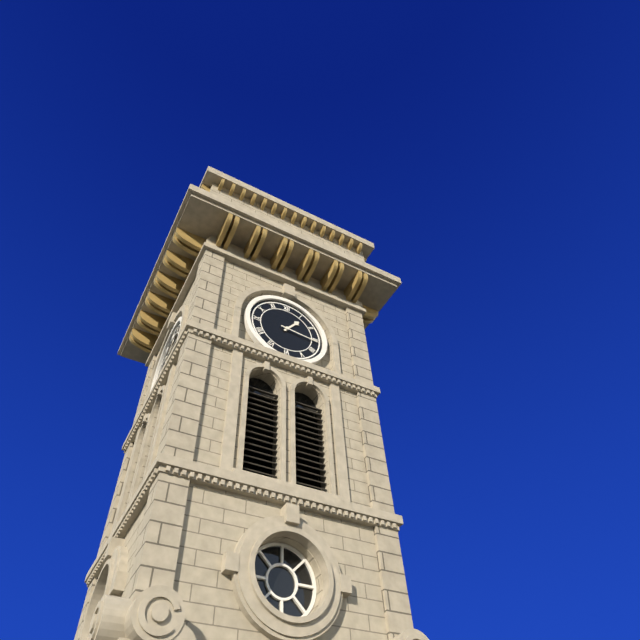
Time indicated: 1h16
